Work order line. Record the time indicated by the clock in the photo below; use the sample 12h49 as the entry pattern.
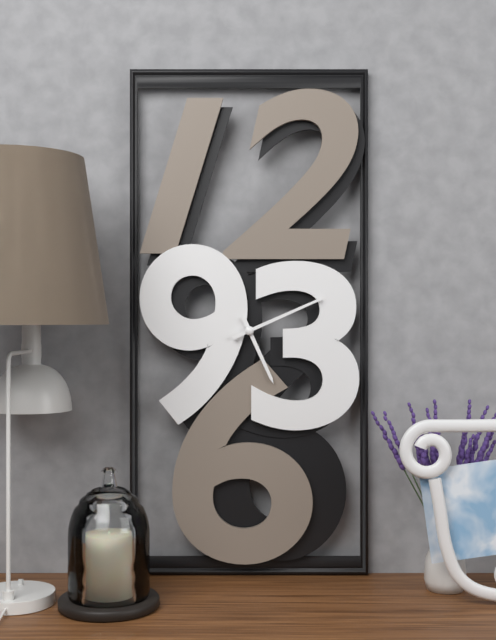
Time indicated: 5h11
